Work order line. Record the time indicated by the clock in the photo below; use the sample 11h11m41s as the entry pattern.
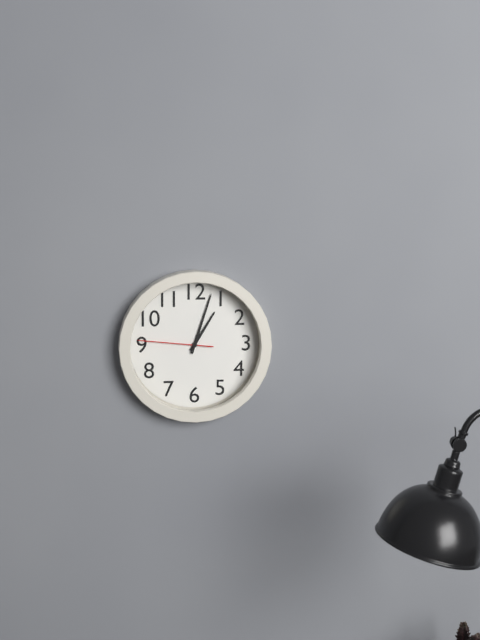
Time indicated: 1h03m46s
